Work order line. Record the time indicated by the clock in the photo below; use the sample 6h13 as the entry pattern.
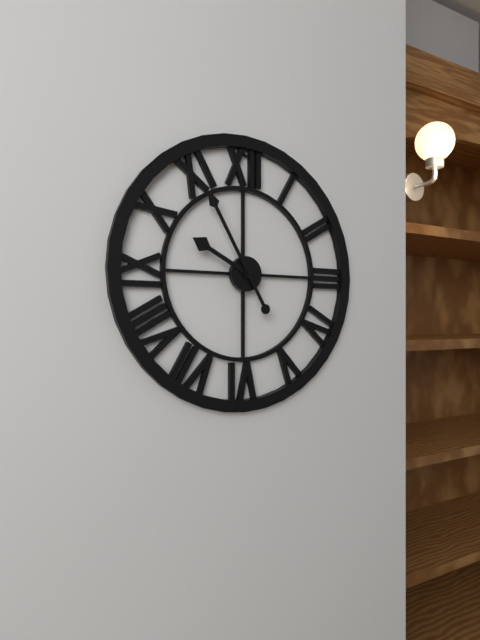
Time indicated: 9h55
